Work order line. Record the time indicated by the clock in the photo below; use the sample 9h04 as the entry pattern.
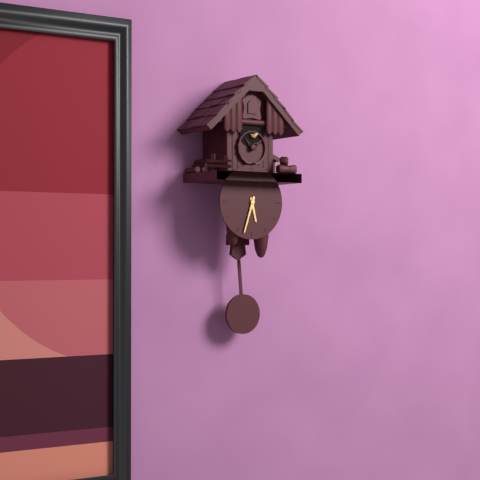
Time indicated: 5h33
